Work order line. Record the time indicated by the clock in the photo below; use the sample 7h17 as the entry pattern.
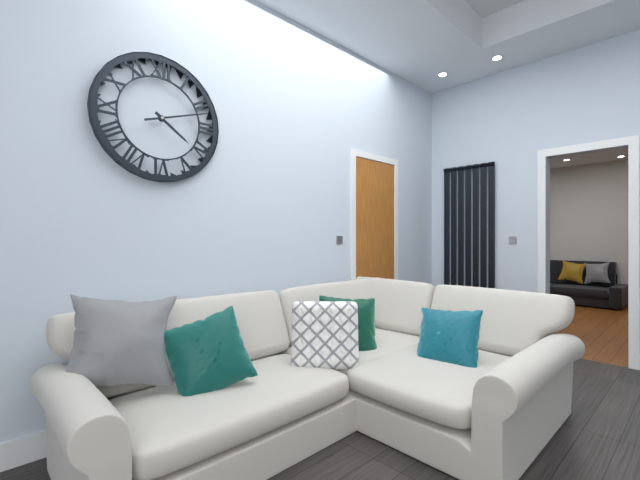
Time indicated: 4h12
